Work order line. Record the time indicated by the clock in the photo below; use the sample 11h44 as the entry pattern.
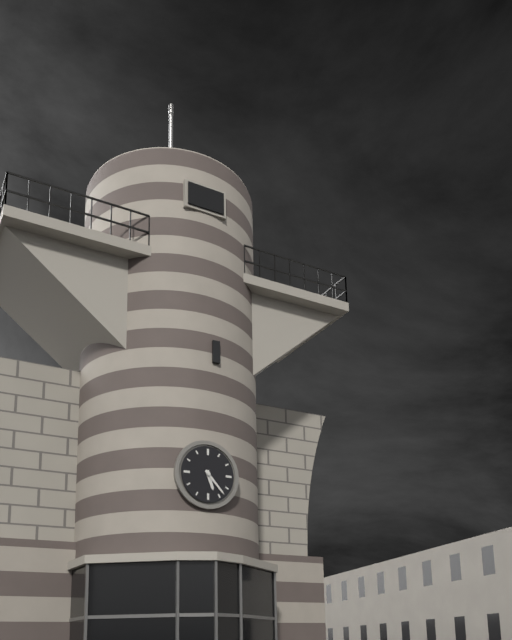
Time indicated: 5h23
